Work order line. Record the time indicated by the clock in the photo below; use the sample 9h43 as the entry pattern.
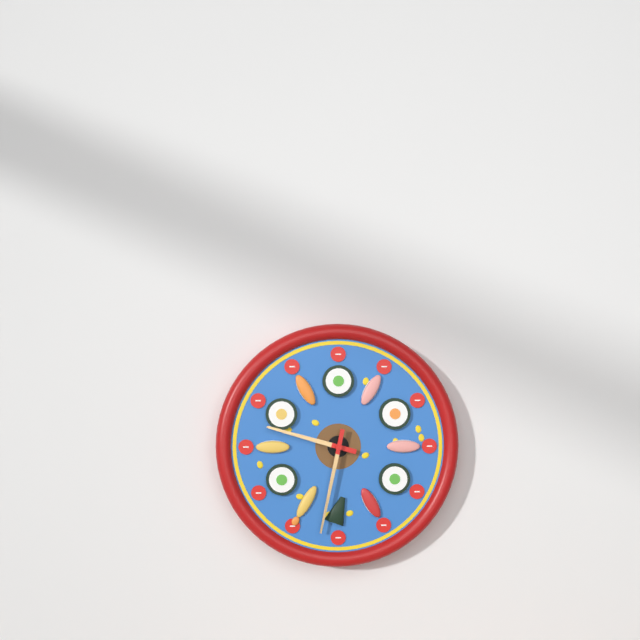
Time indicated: 9h32
